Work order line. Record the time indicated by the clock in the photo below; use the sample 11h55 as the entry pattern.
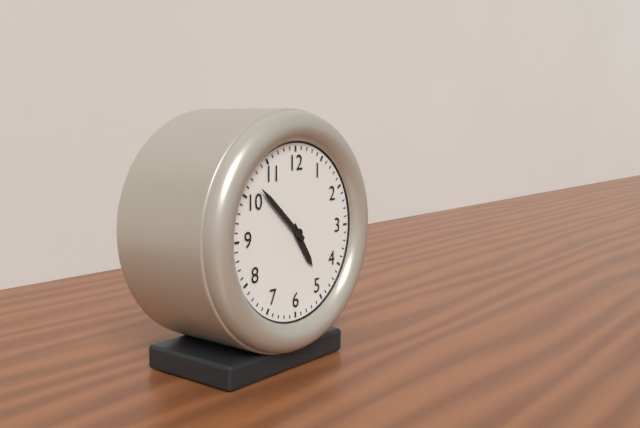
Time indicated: 4h52
